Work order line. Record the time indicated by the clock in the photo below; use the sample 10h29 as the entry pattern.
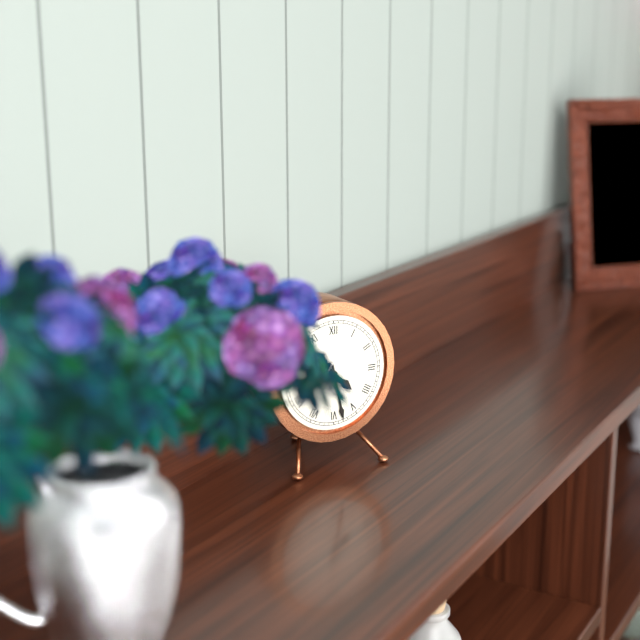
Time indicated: 4h28
